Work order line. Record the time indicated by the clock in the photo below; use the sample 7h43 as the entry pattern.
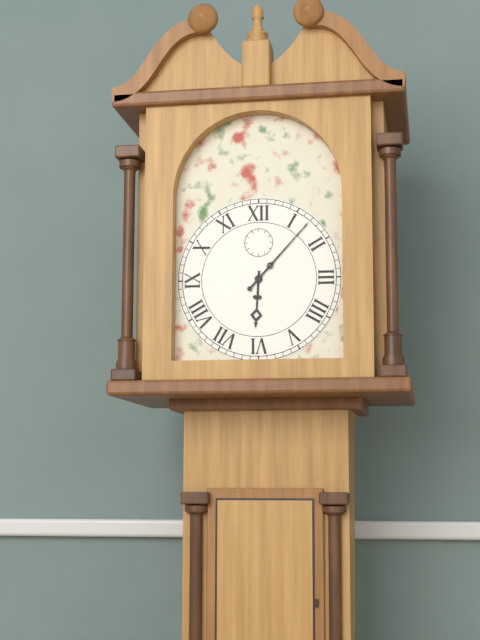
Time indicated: 6h07
